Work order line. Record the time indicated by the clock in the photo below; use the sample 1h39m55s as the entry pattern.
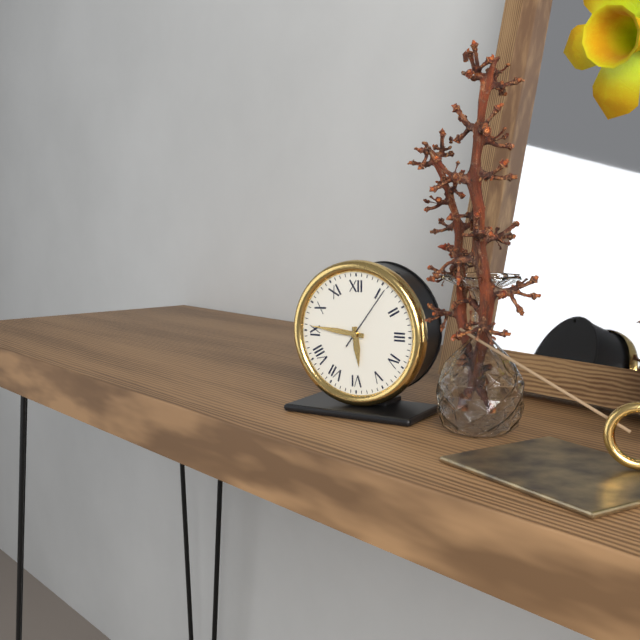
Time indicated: 5h46m06s
